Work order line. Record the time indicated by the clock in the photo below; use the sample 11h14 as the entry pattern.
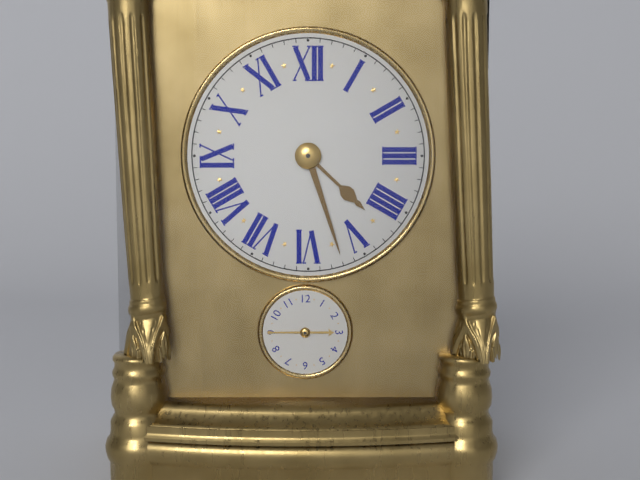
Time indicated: 4h27
